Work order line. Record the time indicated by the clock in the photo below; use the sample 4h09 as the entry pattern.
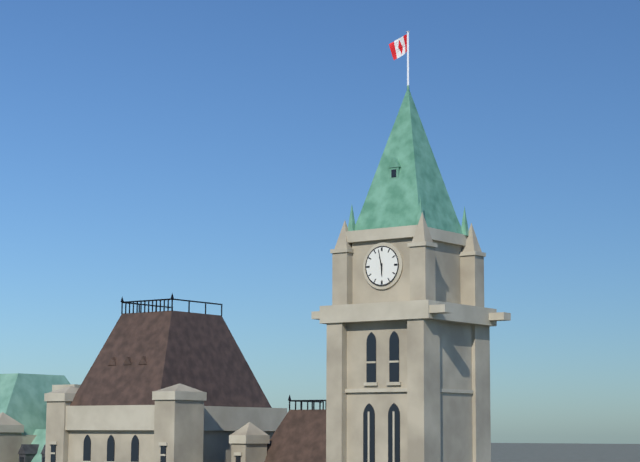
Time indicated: 5h58
